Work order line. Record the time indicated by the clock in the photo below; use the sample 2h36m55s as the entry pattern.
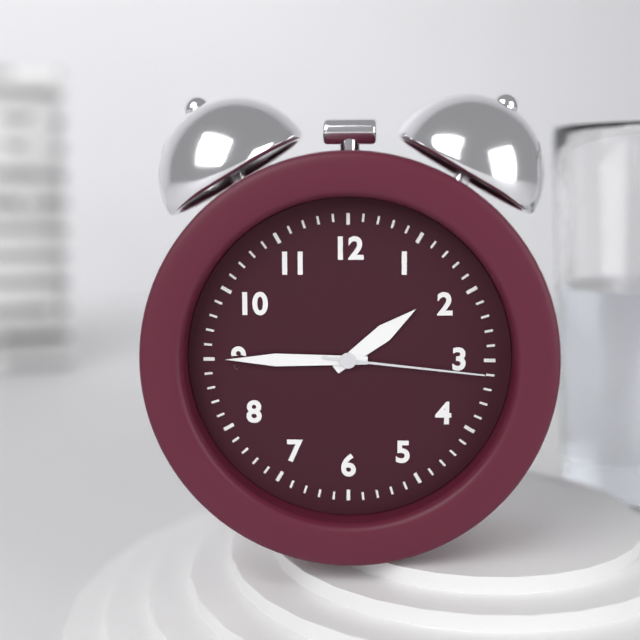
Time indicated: 1h45m16s
